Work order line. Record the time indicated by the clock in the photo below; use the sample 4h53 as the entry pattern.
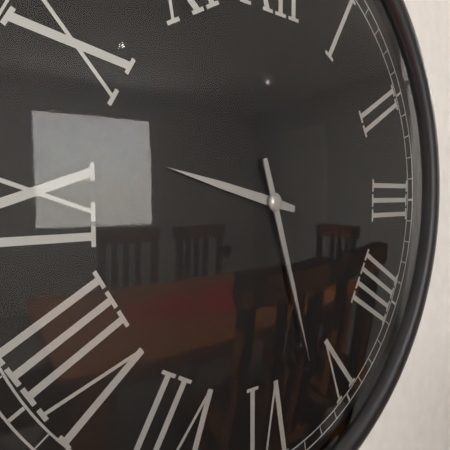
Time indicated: 9h27
